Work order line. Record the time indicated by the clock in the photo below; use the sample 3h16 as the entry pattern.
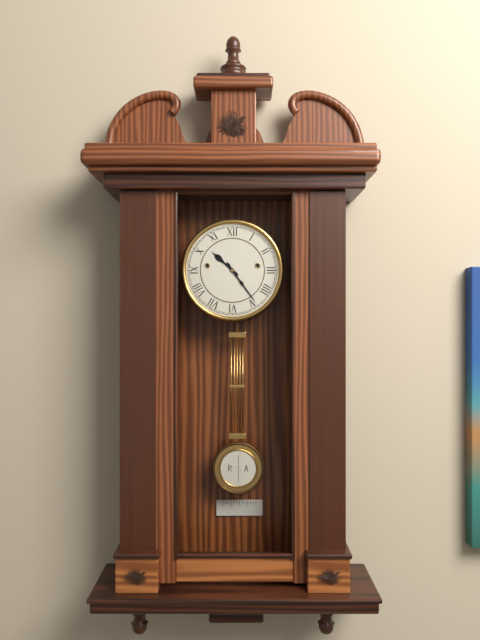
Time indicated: 10h24
